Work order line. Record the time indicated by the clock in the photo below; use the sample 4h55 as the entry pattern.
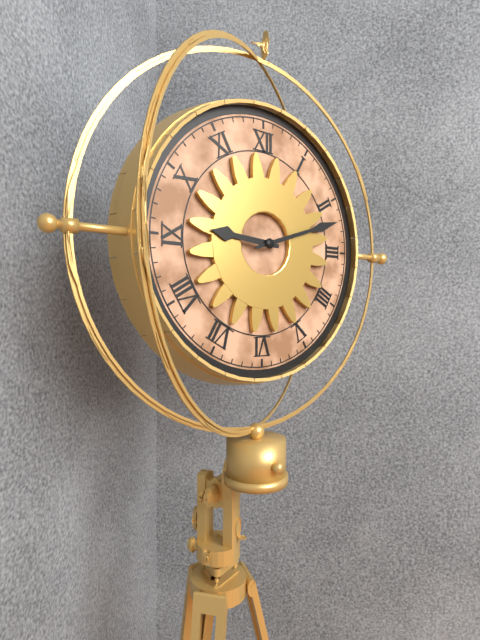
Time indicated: 9h12
